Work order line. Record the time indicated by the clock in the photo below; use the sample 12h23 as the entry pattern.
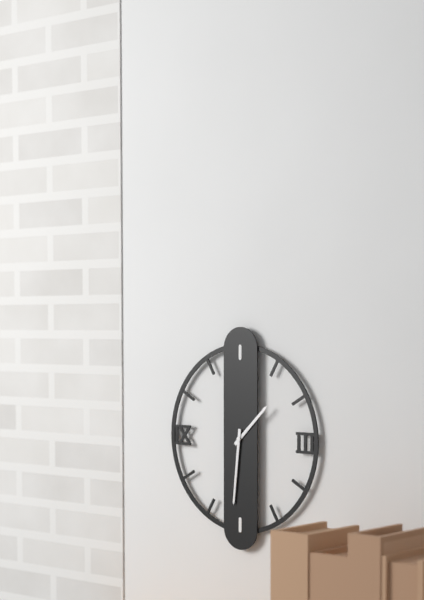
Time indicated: 1h31
